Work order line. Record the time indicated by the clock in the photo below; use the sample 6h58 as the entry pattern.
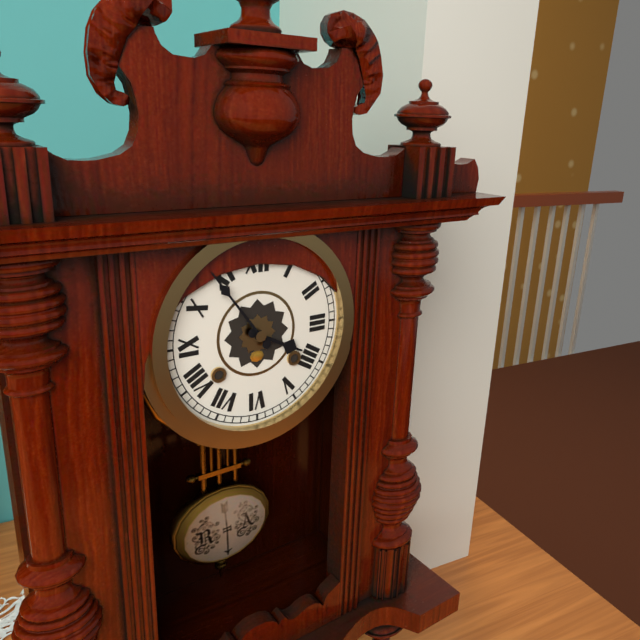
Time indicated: 3h54
